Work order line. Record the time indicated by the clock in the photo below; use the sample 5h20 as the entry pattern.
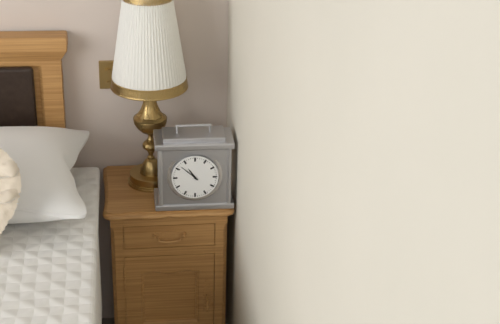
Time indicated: 10h52
